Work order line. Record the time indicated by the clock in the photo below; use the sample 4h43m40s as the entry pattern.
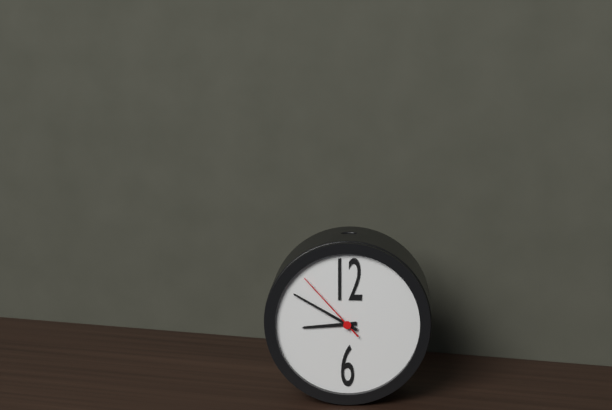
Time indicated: 8h50m53s
